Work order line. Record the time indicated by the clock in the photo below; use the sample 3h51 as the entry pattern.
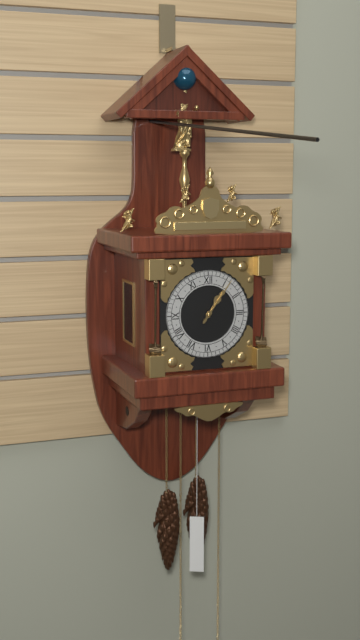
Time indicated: 1h06
